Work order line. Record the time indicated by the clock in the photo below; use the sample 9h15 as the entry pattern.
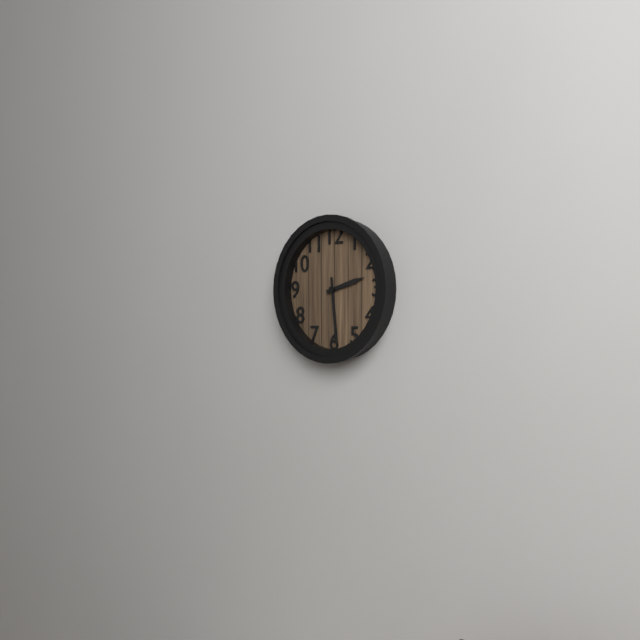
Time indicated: 2h29
